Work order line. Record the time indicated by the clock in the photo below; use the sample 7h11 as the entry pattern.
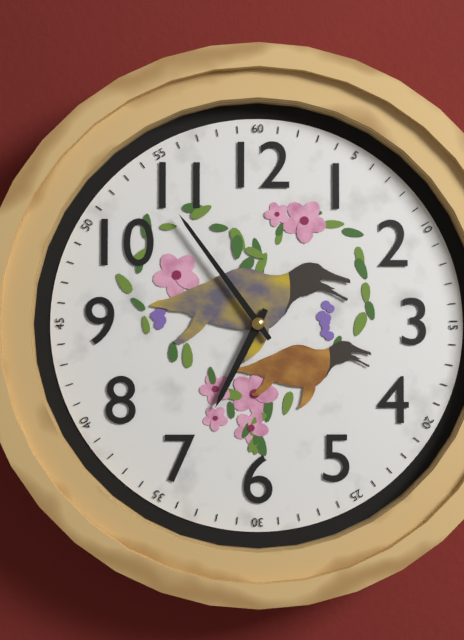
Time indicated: 6h54
